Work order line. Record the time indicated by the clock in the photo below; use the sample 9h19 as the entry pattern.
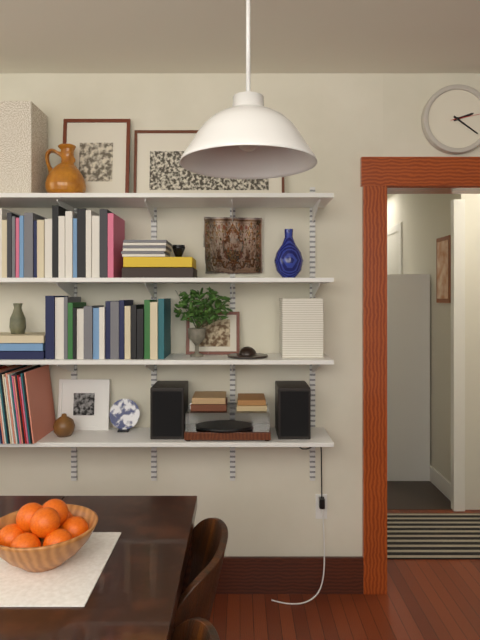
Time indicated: 2h21
